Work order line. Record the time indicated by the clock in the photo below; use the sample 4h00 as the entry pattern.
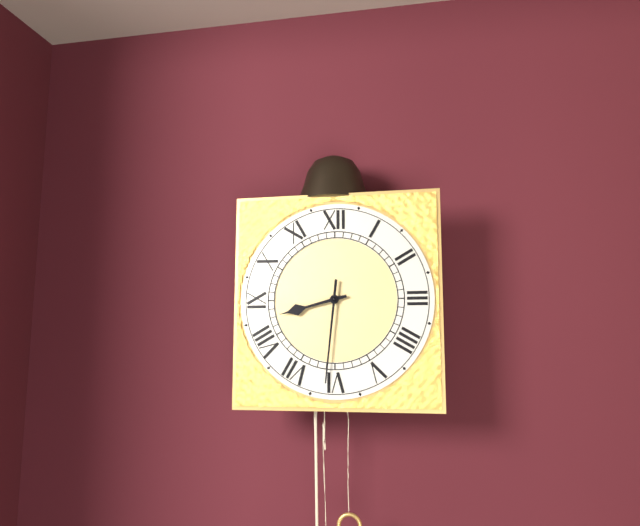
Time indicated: 8h31
